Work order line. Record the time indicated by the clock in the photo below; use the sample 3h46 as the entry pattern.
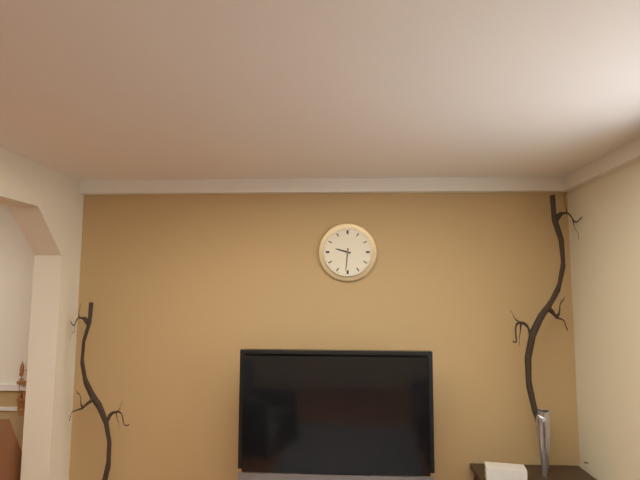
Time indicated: 9h31
